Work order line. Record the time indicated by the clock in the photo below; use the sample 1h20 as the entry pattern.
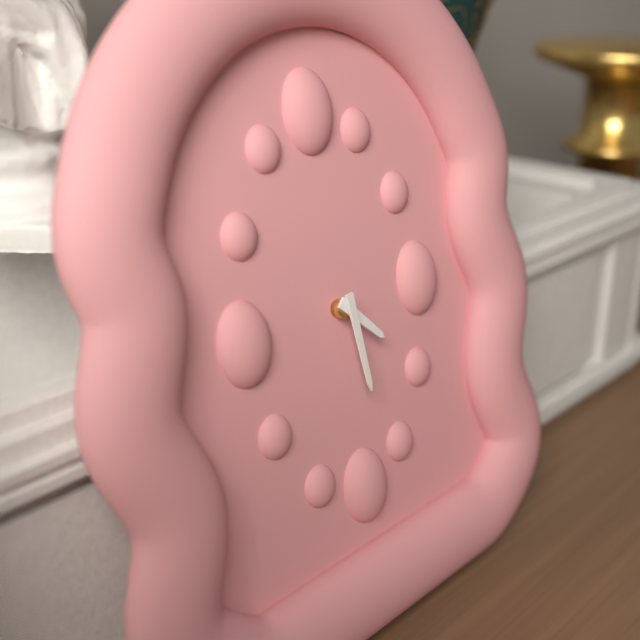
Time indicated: 4h29
